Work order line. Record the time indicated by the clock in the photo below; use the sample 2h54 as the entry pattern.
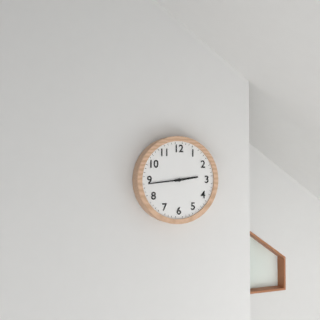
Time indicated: 2h44
